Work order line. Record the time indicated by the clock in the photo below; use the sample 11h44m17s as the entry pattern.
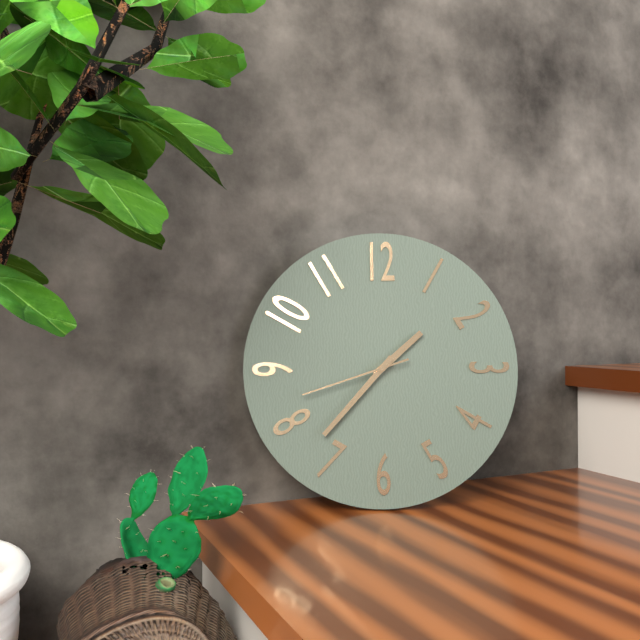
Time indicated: 1h37m42s
